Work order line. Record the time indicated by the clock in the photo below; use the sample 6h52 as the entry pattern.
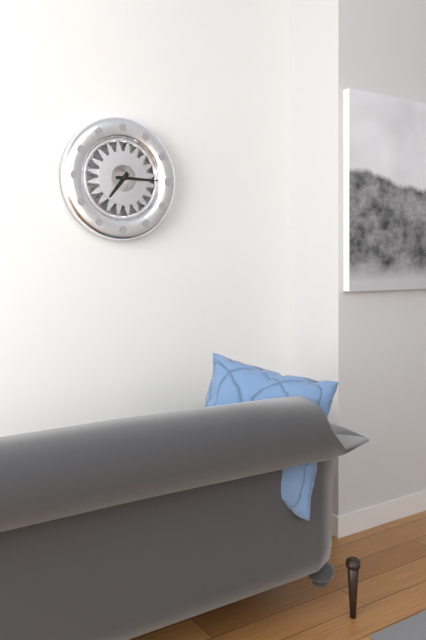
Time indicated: 7h15
